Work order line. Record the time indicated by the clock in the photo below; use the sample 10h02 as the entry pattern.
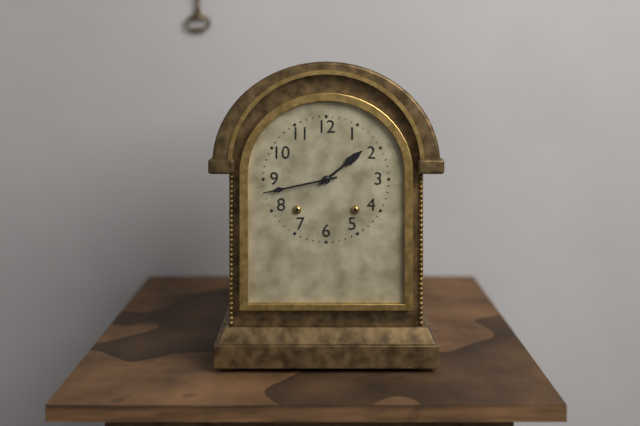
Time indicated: 1h43
